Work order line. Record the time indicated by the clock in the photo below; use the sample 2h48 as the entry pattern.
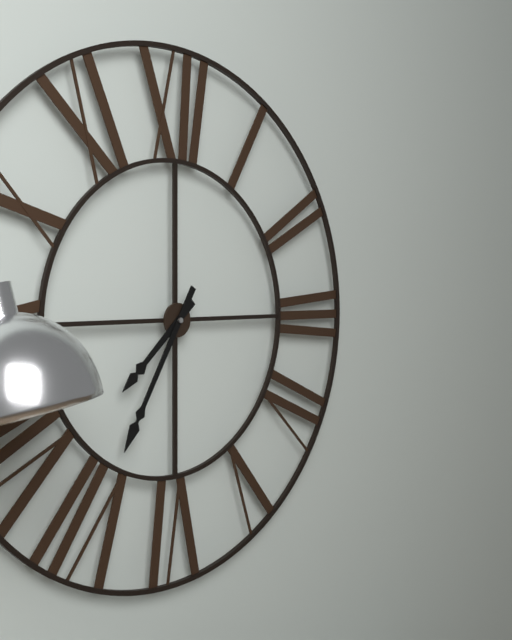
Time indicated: 7h35
